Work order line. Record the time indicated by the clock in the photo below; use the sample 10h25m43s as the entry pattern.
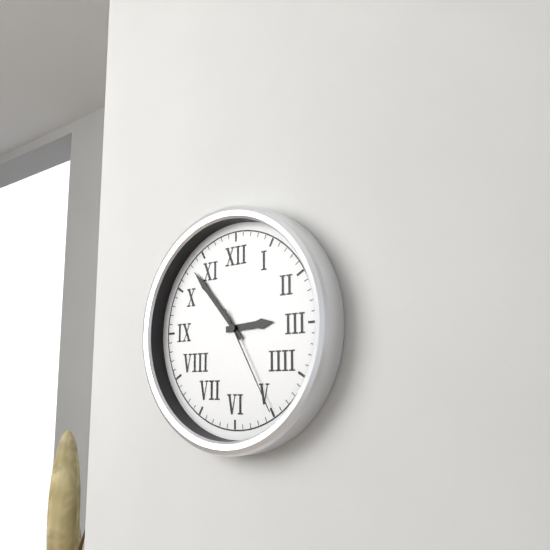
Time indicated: 2h53m25s
